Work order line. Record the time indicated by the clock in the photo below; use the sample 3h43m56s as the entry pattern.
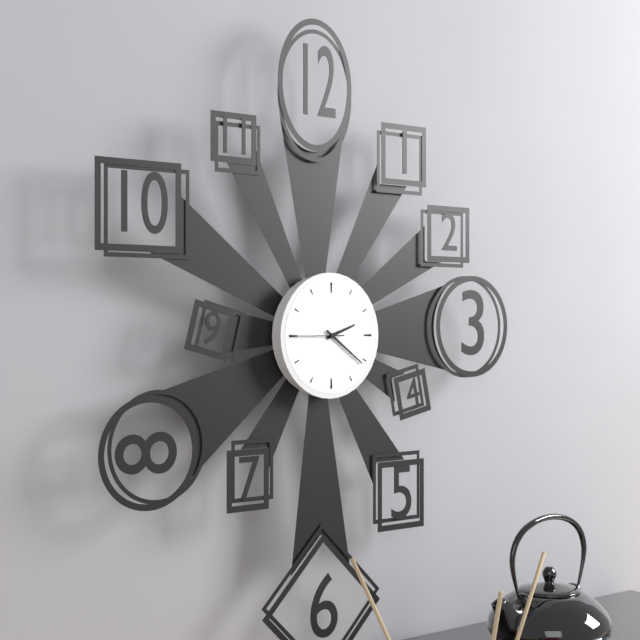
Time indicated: 2h21m45s
